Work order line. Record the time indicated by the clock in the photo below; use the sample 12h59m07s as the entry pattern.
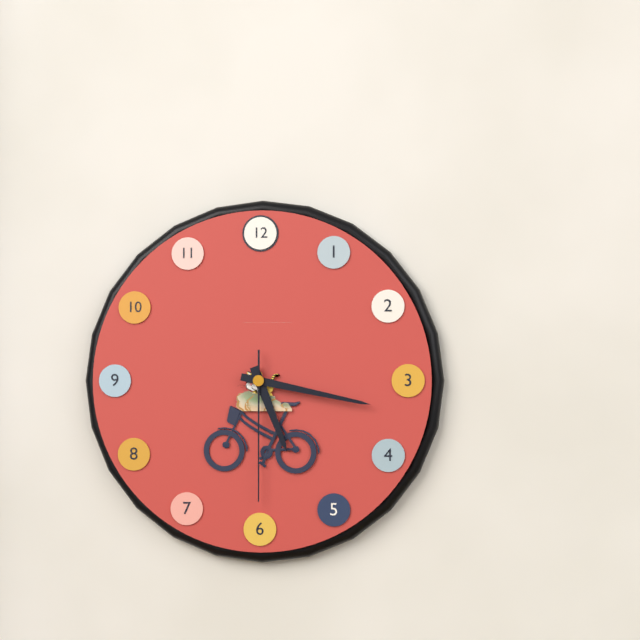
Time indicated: 5h17m30s
